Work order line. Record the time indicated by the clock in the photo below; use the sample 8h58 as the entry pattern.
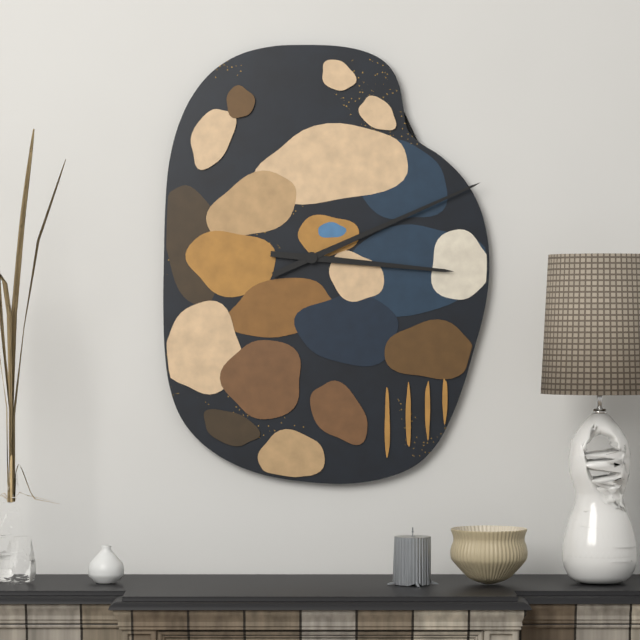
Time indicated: 3h11
